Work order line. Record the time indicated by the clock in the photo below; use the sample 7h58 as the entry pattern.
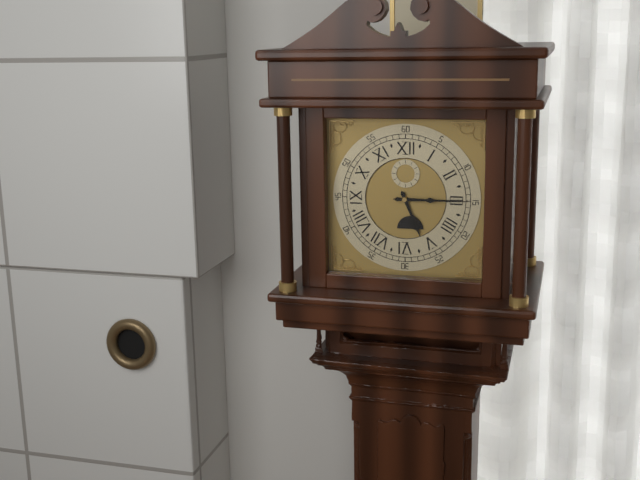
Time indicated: 5h15
